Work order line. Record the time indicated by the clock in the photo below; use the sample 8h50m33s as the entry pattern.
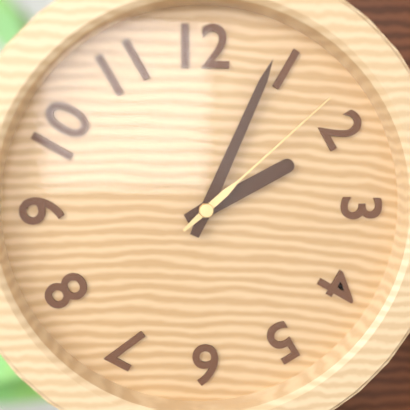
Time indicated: 2h04m08s
